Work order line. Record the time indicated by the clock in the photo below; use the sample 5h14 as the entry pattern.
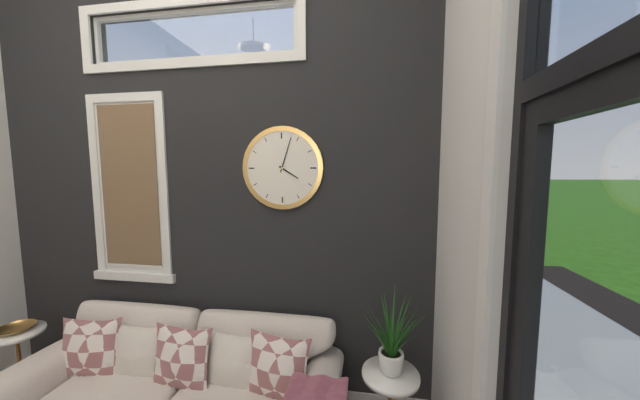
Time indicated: 4h03
